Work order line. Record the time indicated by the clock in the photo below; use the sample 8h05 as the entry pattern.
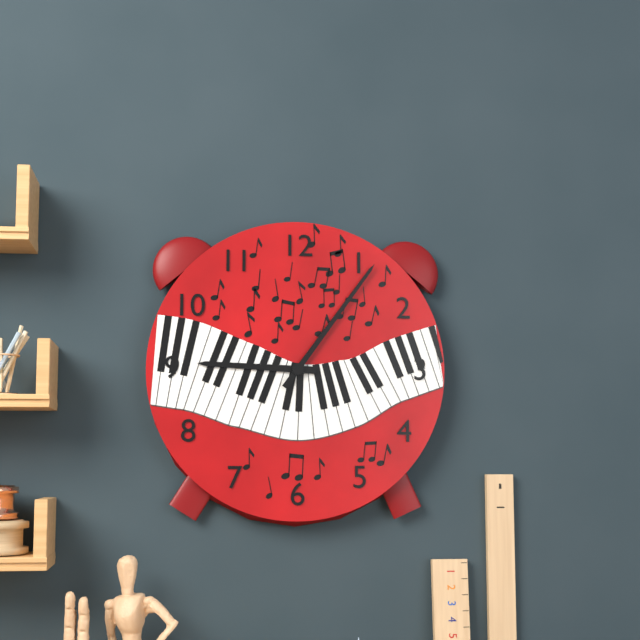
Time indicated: 9h06
